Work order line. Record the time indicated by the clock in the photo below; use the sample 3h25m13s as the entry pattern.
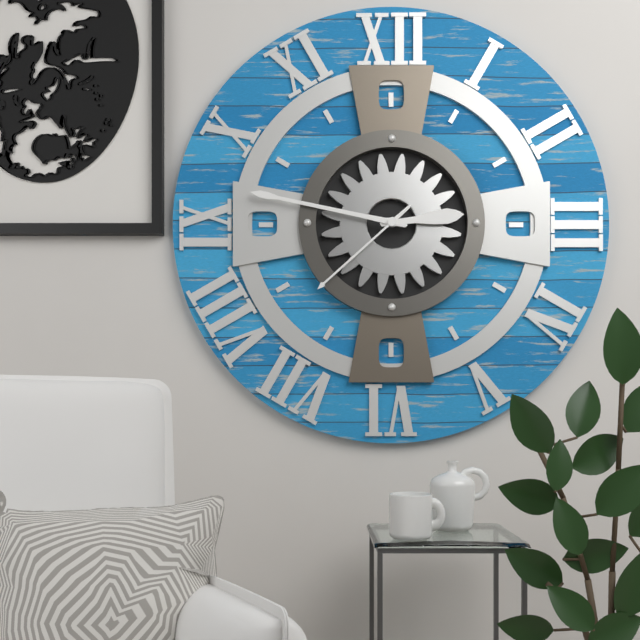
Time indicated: 2h47m38s
